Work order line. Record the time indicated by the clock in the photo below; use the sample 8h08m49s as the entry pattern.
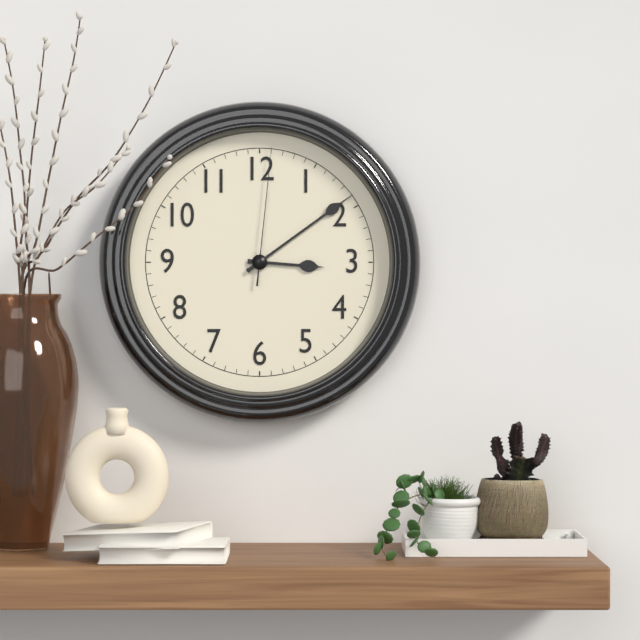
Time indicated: 3h09m01s
